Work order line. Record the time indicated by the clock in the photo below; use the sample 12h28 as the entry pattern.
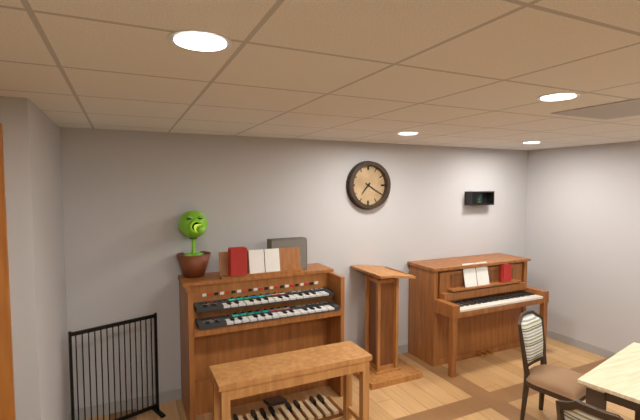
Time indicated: 7h20
